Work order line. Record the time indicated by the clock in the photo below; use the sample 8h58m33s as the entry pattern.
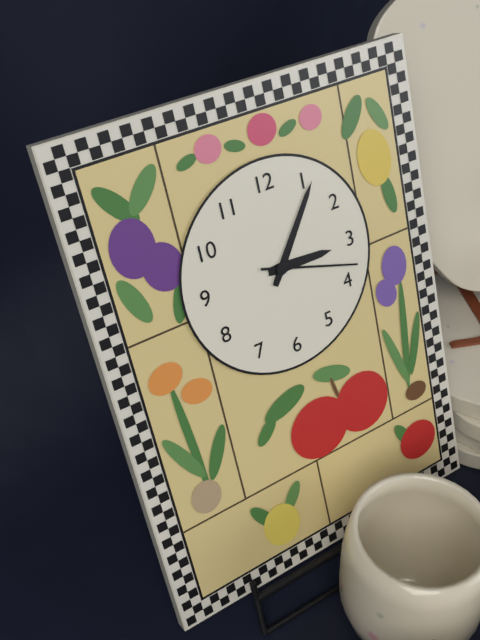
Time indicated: 3h06m18s
